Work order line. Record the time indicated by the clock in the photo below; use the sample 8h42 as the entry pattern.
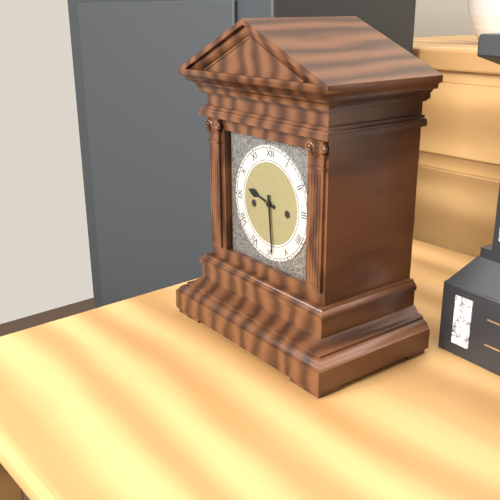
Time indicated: 9h29
